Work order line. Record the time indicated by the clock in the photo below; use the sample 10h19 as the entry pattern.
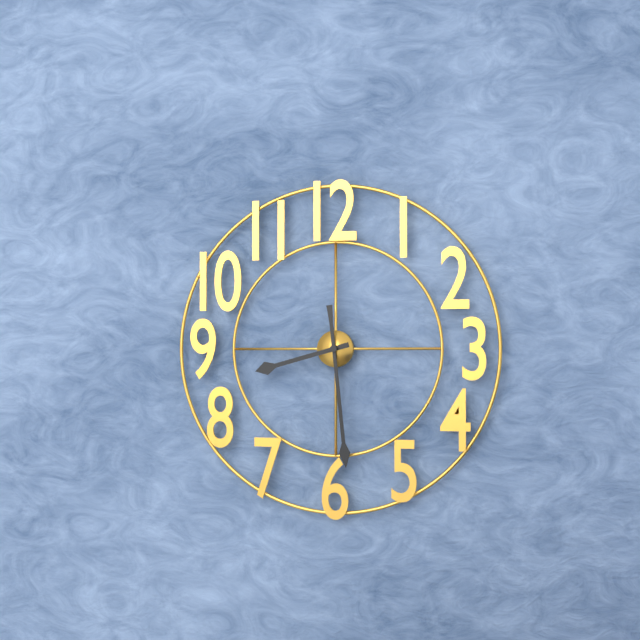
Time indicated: 8h29
